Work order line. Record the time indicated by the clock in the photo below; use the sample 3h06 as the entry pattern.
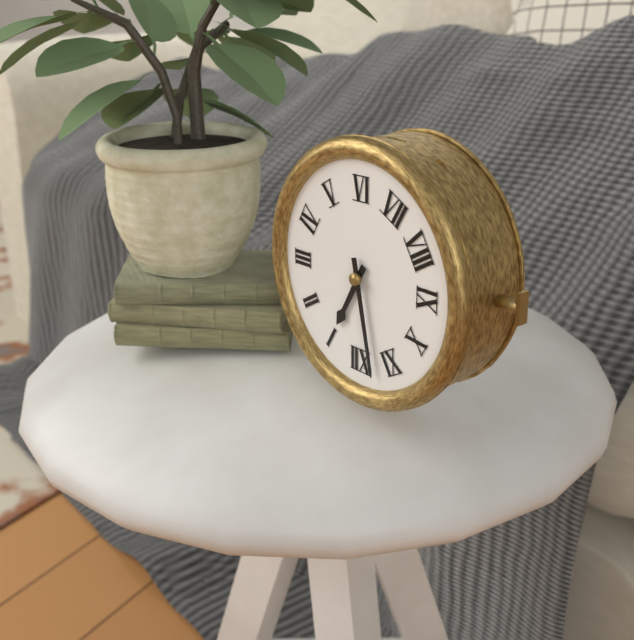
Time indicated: 12h58
